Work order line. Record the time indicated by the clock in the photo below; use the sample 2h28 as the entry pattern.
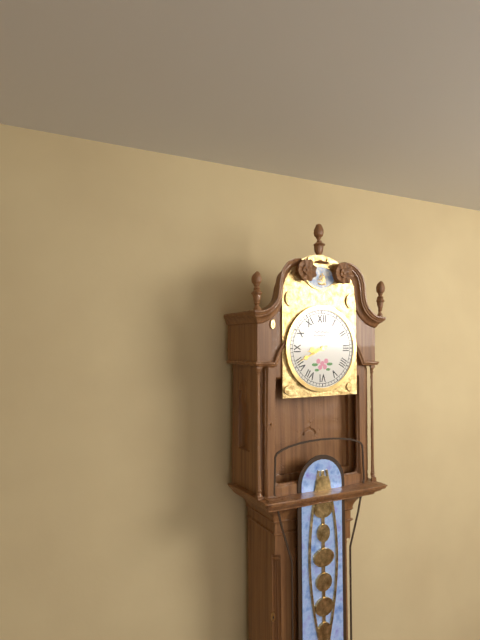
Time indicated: 8h41
